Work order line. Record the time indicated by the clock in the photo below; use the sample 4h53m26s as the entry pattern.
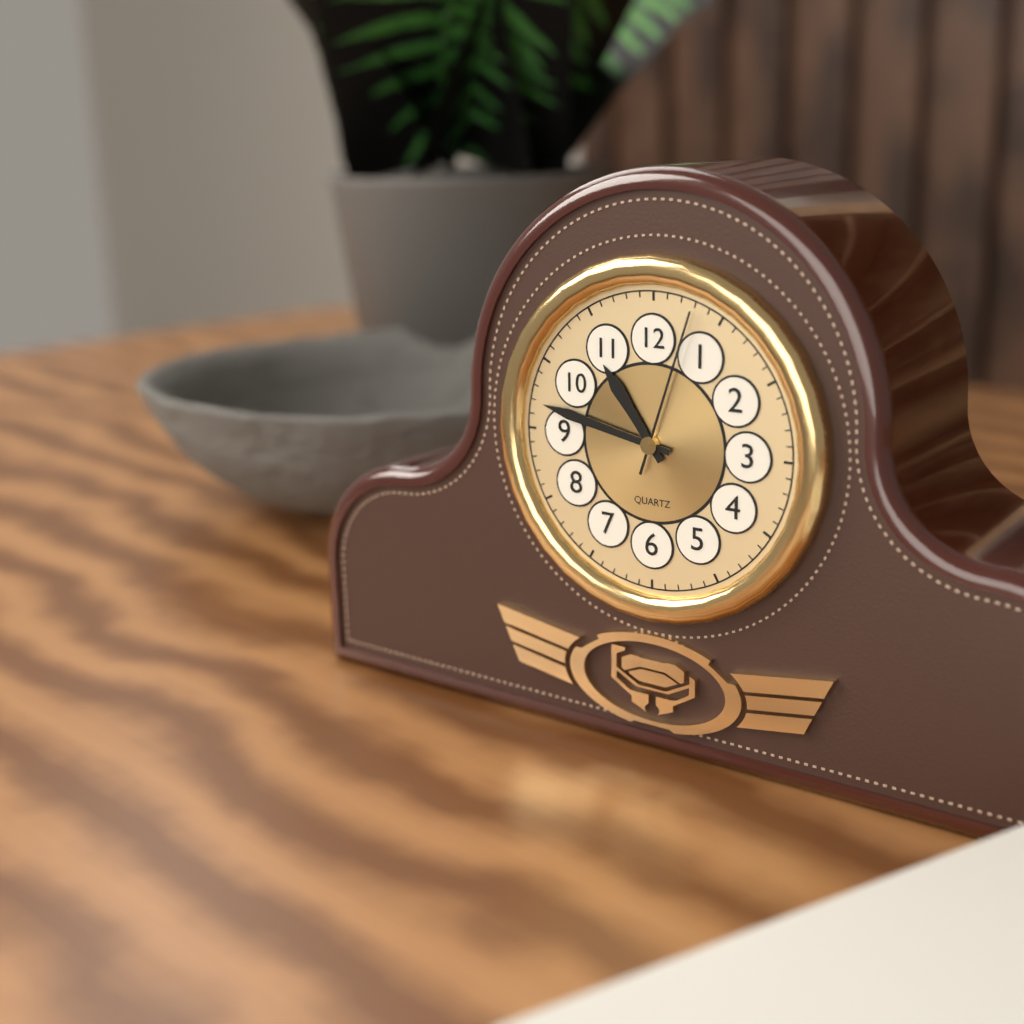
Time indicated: 10h47m03s
